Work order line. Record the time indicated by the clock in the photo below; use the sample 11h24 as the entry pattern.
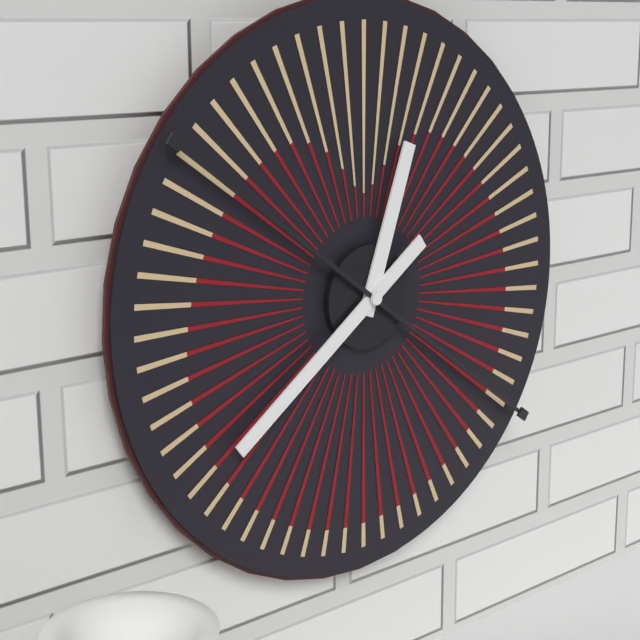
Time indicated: 12h39
